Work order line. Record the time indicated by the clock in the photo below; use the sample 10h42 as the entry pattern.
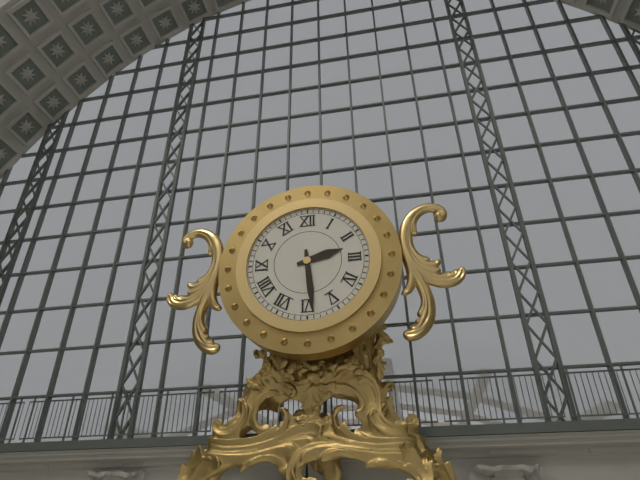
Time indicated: 2h29
